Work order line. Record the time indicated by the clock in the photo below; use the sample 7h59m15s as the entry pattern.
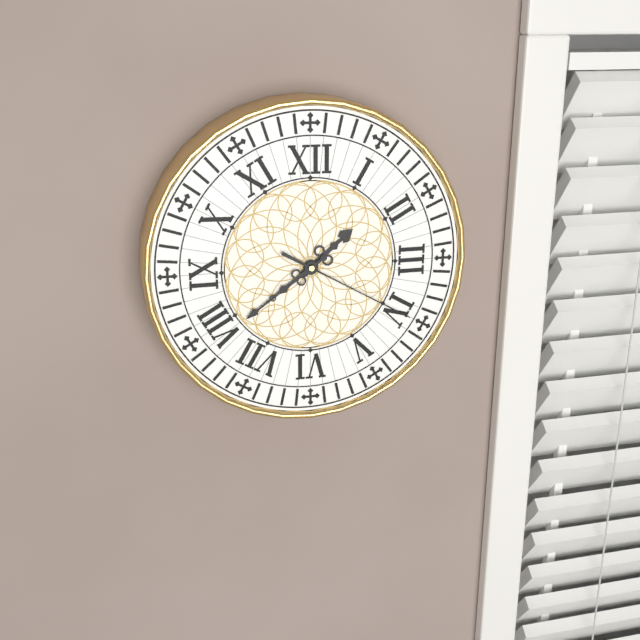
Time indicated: 1h39m20s
